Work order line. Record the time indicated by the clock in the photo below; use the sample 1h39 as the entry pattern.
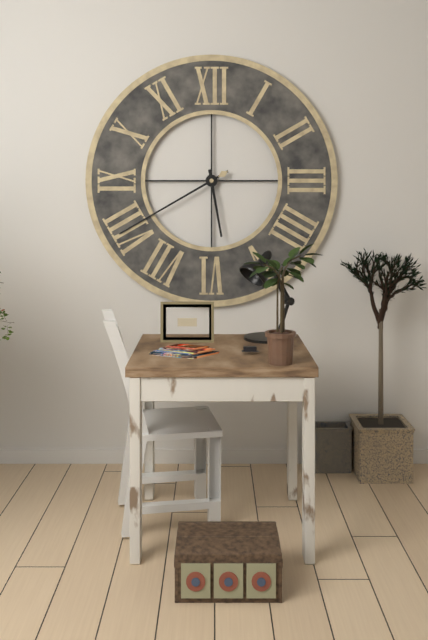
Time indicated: 5h40
